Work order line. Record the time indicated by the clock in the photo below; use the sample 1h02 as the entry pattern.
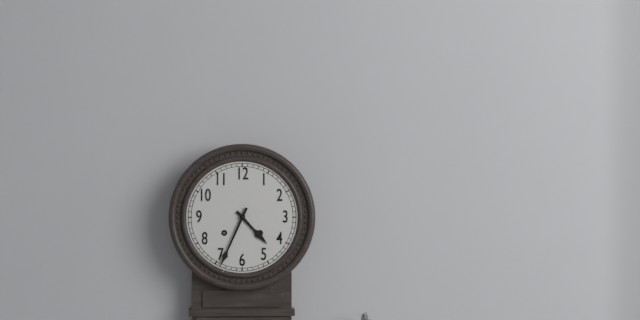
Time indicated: 4h34
